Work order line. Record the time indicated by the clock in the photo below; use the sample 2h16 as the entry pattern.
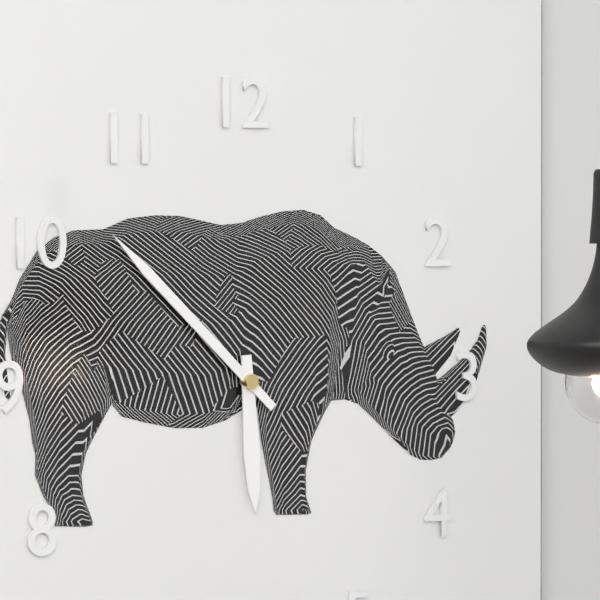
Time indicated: 5h52
